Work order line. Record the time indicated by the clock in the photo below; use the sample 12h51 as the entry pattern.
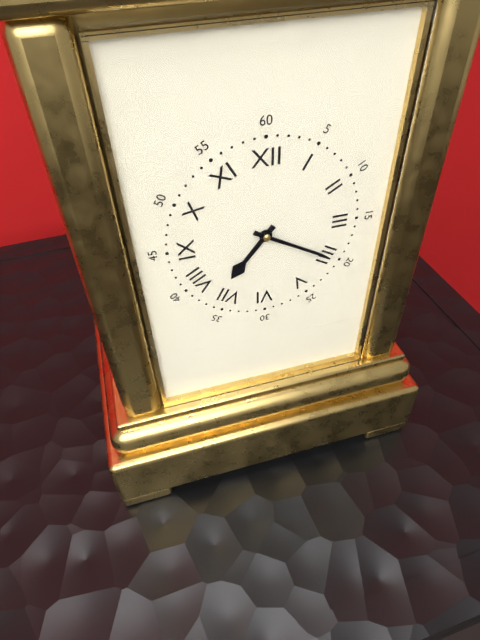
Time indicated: 7h20
